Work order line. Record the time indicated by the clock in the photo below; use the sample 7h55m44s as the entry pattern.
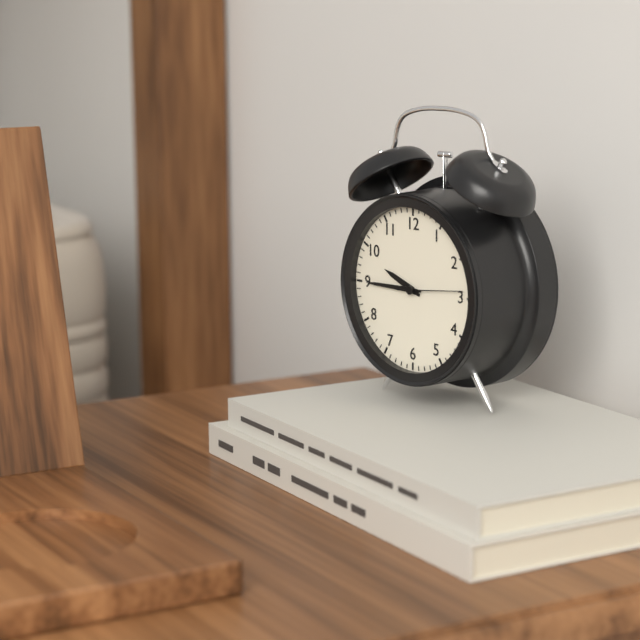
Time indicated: 9h45m14s
